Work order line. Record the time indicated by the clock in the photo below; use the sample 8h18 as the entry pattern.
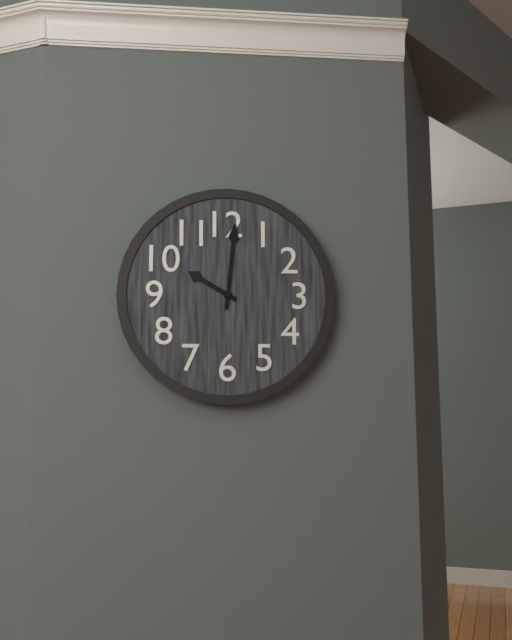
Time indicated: 10h01
